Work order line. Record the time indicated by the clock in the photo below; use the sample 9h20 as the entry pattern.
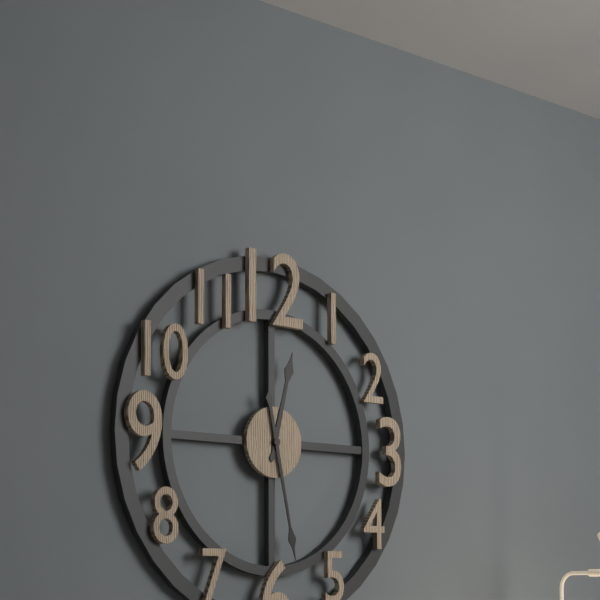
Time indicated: 12h28
